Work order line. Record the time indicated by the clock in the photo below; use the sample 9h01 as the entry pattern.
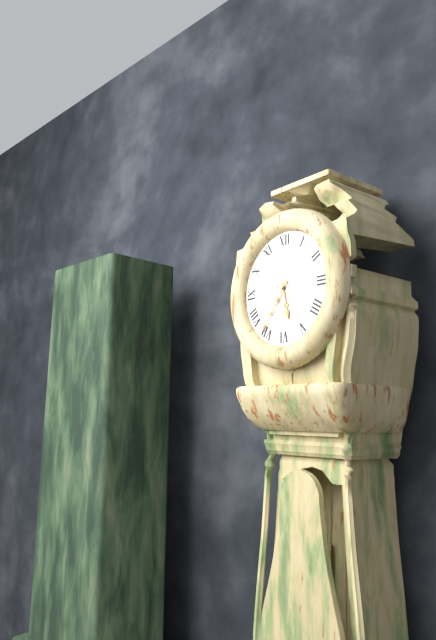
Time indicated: 5h36
